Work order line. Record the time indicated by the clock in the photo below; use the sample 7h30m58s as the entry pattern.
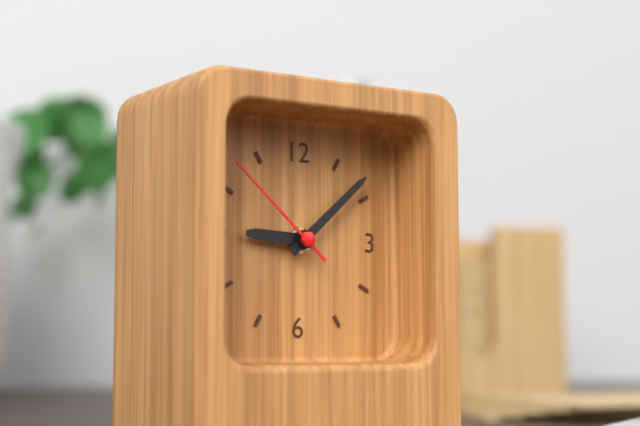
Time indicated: 9h08m52s
